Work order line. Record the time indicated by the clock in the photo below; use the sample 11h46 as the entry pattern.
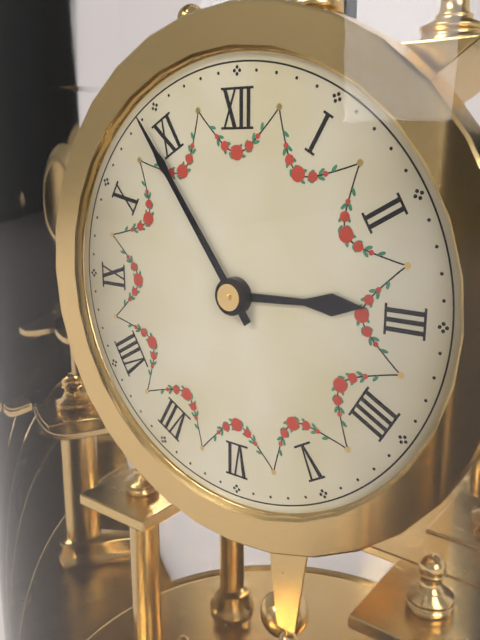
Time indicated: 2h54
